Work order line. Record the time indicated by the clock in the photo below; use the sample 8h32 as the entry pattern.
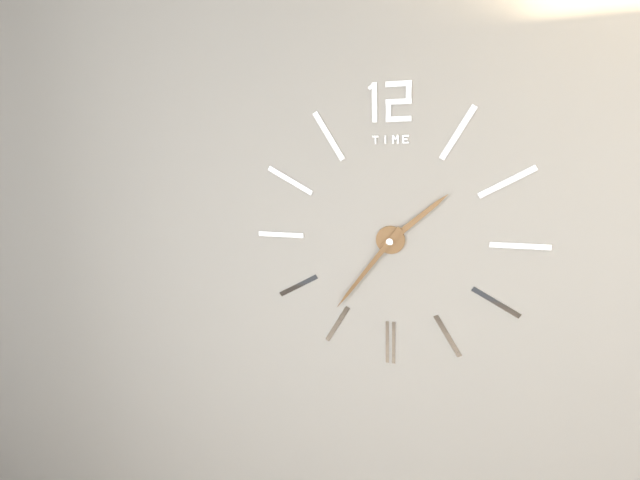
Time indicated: 1h36
